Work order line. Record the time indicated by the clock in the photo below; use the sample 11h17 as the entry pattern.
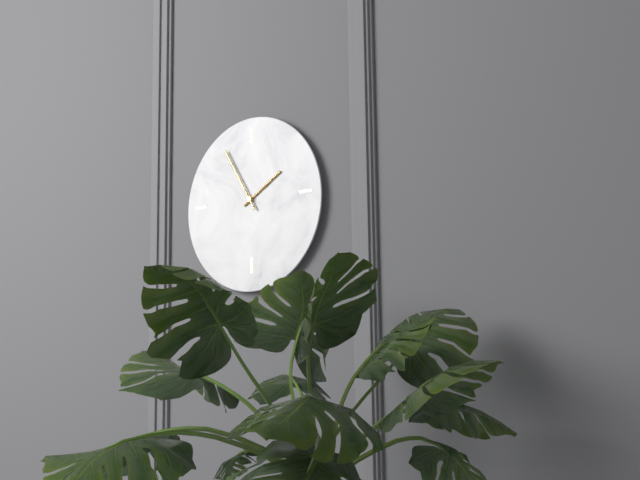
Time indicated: 1h55
